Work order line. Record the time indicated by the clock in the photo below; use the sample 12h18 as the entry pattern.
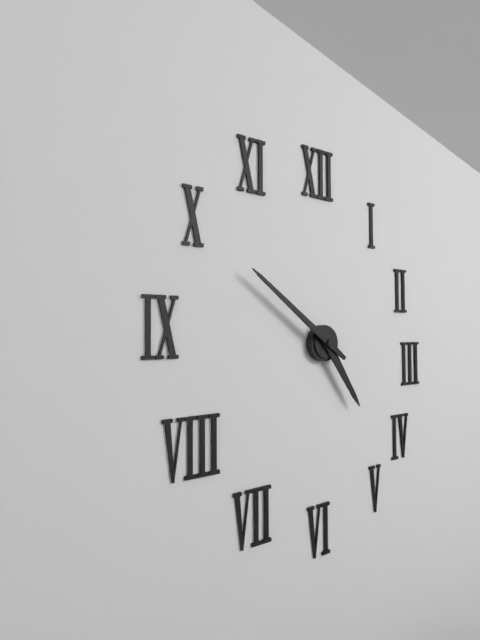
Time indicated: 4h51
